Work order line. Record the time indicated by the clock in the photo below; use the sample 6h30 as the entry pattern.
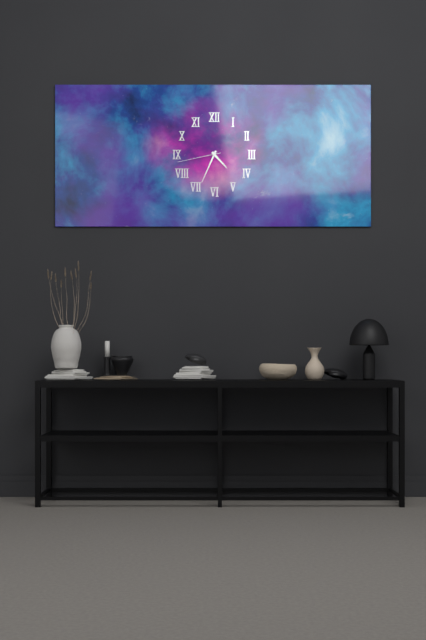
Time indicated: 4h34
